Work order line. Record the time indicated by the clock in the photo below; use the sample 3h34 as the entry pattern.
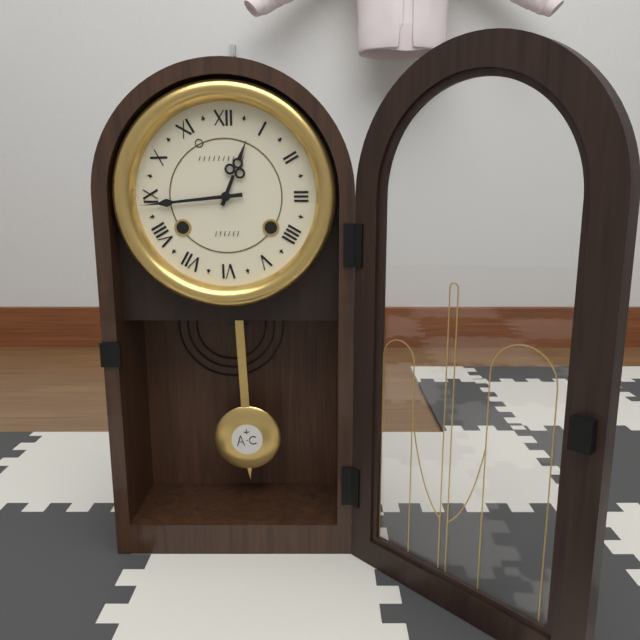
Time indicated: 12h44
